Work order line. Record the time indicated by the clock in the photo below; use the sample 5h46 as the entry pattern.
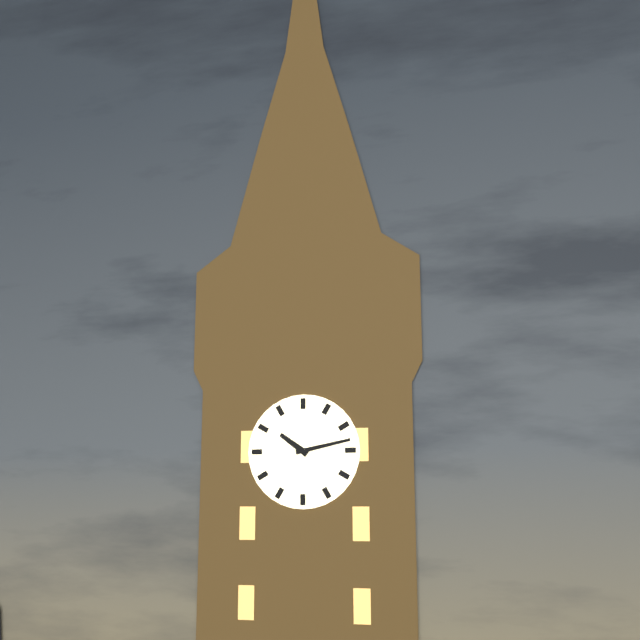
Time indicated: 10h13
